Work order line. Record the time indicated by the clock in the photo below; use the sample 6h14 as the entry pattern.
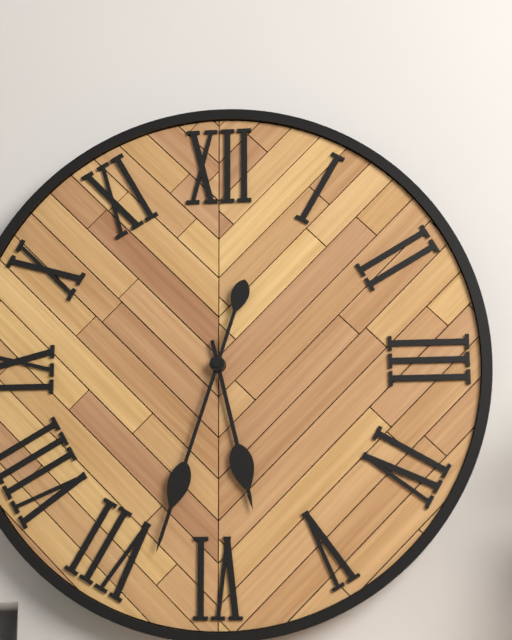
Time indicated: 5h33
